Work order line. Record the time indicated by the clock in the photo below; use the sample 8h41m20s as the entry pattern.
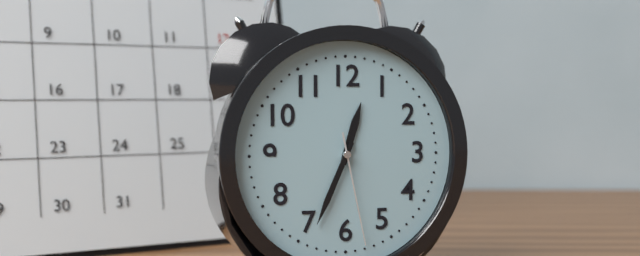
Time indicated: 12h34m28s
